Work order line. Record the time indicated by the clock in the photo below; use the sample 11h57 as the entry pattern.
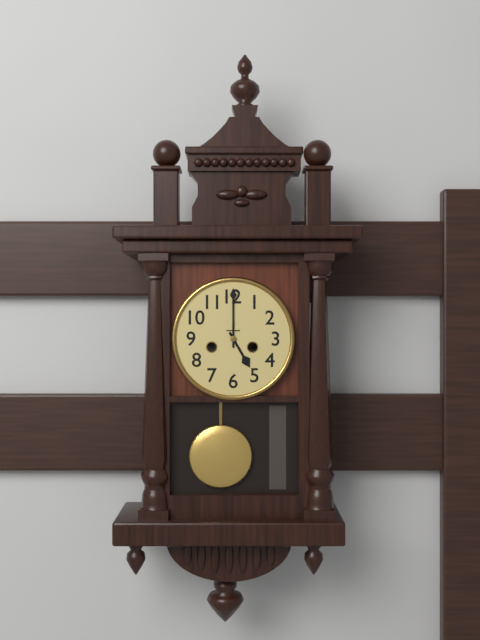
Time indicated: 5h00
